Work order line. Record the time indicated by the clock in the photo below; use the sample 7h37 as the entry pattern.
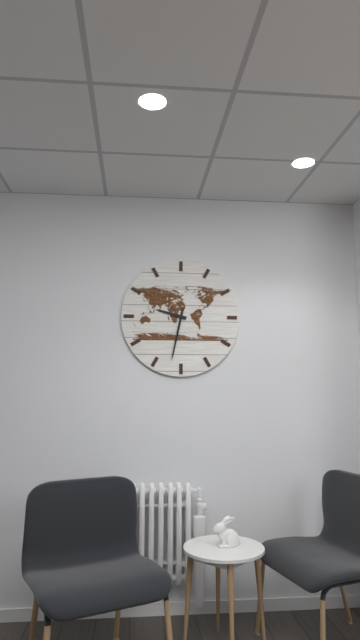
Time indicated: 9h32
